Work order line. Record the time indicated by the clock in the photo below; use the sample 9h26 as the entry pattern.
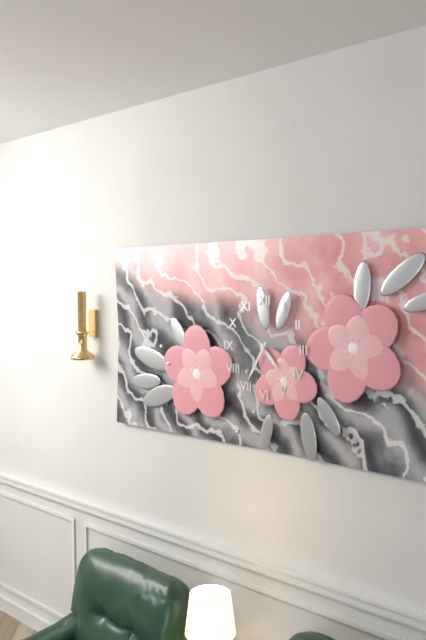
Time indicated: 4h35
